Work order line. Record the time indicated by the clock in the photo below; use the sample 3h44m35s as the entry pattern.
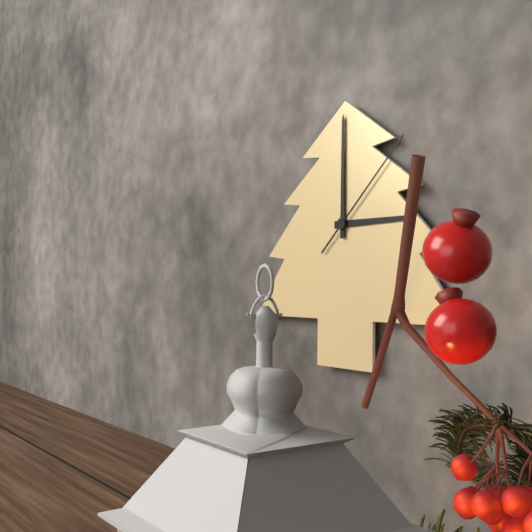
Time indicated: 3h00m08s
